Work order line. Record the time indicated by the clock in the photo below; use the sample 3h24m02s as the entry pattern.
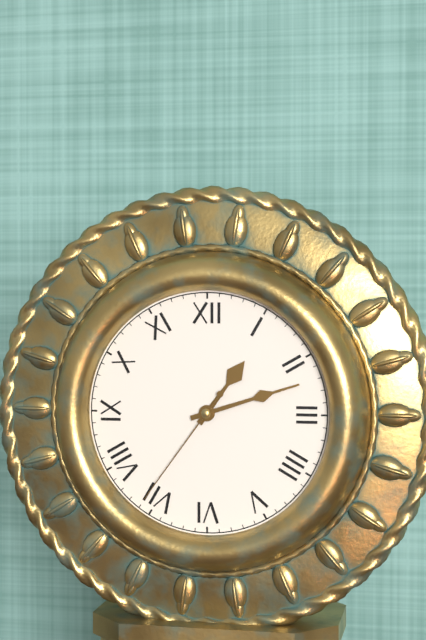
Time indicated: 1h12m36s
